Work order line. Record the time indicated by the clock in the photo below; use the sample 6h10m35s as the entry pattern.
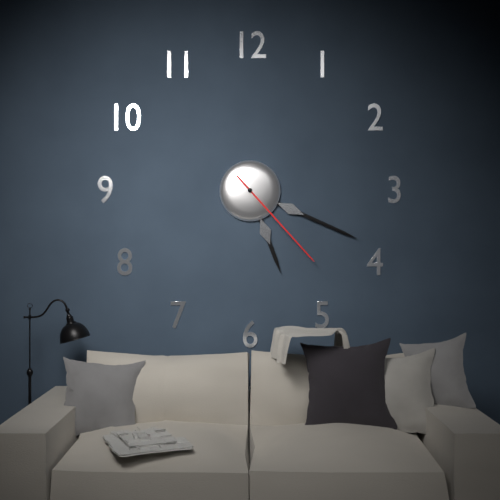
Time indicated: 5h19m23s
